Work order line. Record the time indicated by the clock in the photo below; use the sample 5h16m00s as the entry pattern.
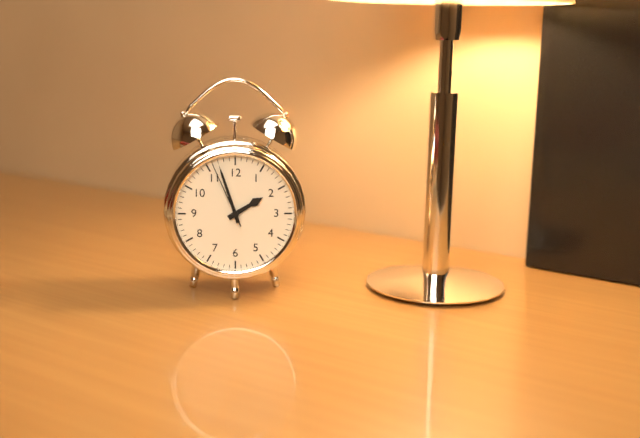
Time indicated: 1h57m56s
